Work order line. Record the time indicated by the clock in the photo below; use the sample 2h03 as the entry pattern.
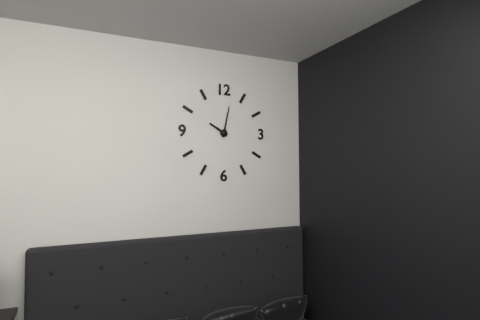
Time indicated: 10h02
